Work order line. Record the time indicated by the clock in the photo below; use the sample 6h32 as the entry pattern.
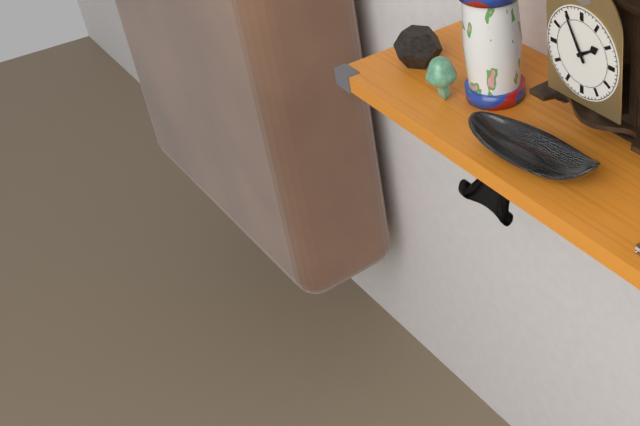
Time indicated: 1h55
